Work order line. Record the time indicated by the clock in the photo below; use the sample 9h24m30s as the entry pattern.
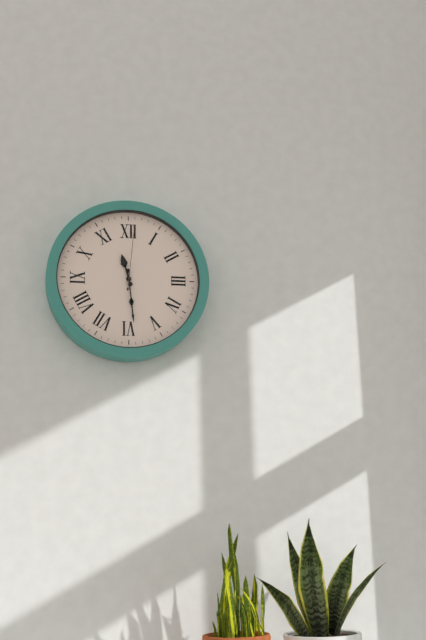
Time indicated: 11h29m01s
